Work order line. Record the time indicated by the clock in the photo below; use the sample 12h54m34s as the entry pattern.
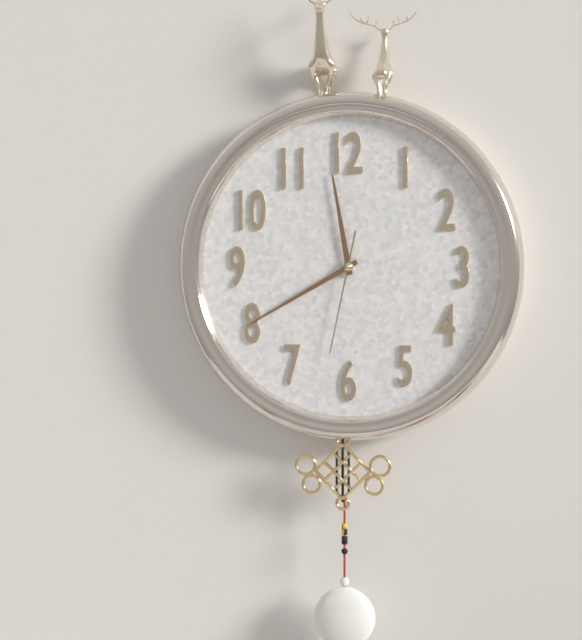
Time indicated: 11h40m32s
